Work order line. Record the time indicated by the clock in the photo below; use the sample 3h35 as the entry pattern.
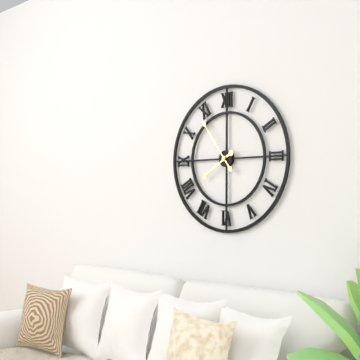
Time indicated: 7h54
